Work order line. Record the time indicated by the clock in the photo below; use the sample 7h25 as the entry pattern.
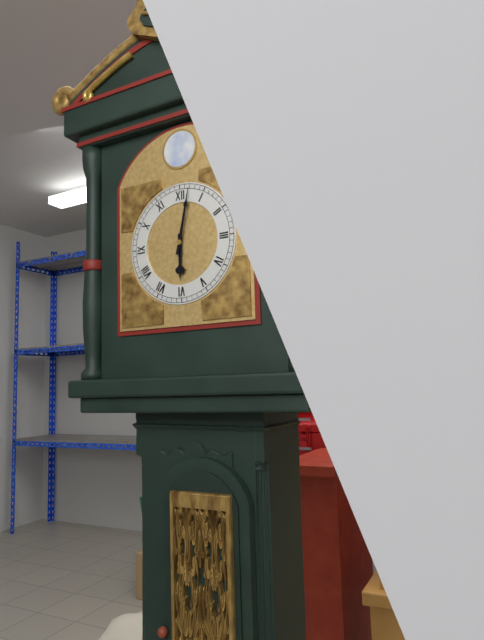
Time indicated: 6h02
